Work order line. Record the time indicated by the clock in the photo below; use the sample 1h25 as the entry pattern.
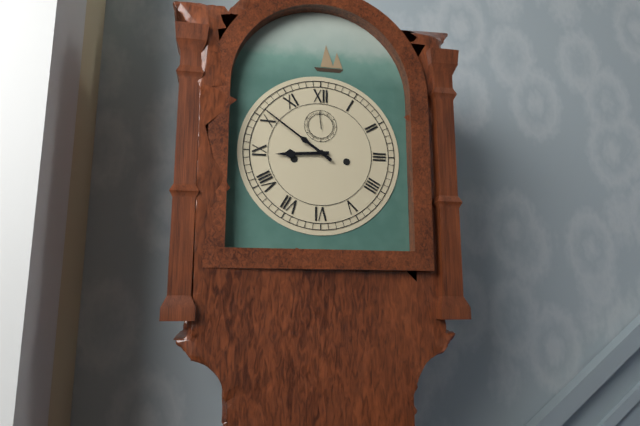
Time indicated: 8h51
